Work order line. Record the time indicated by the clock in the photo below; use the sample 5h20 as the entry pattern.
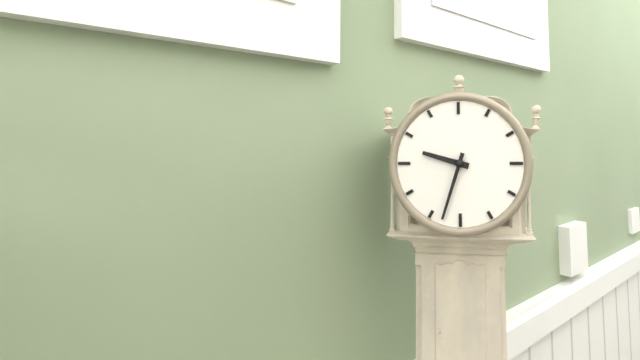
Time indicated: 9h33
